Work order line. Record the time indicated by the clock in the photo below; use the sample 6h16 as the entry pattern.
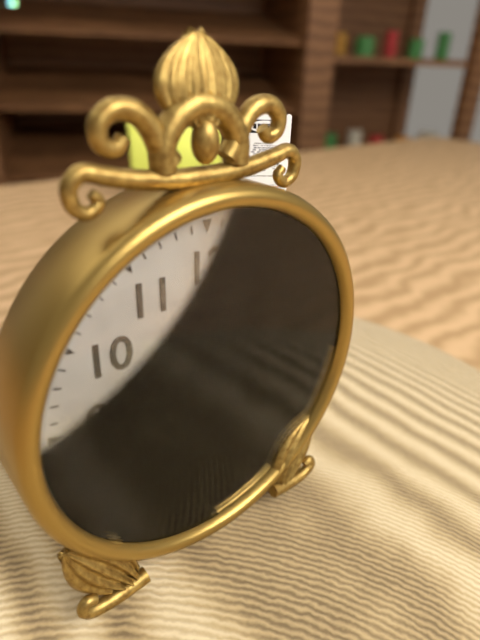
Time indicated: 8h18
